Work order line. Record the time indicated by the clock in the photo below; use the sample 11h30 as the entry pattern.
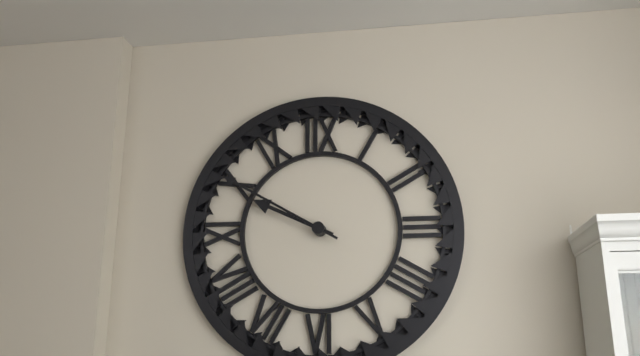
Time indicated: 9h50
